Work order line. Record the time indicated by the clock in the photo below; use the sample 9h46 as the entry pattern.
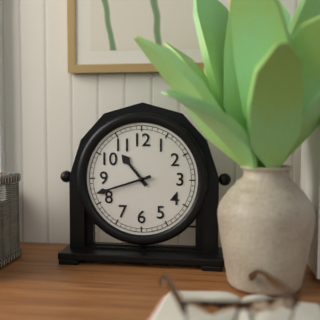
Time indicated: 10h42
